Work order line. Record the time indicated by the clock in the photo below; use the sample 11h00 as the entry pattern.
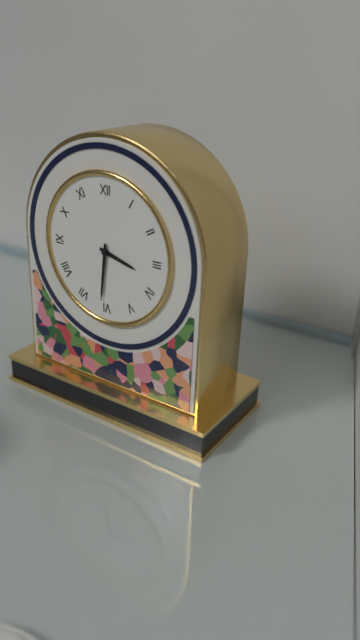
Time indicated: 3h31
